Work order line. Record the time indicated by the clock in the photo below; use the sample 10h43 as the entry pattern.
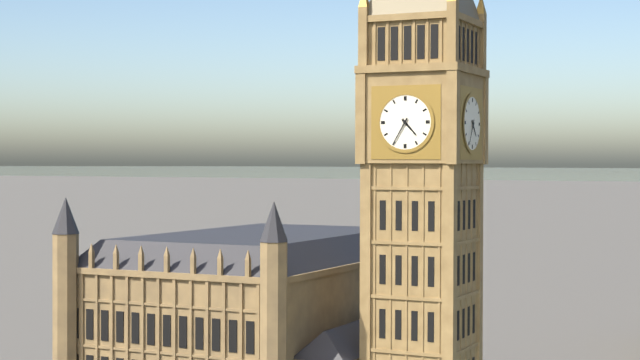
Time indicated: 4h35
